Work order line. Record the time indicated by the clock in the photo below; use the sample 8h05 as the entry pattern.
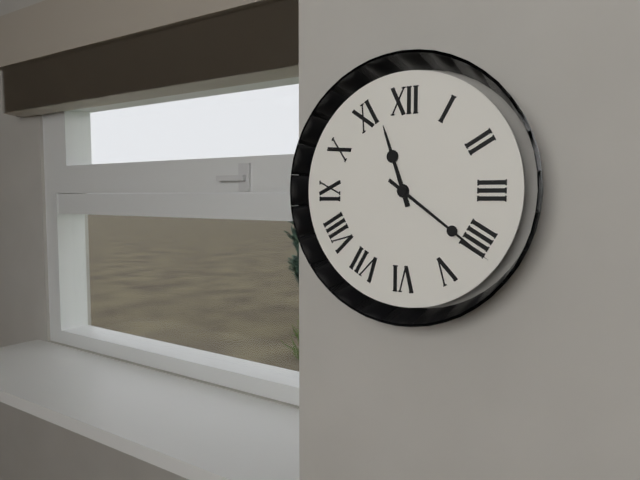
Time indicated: 11h21
